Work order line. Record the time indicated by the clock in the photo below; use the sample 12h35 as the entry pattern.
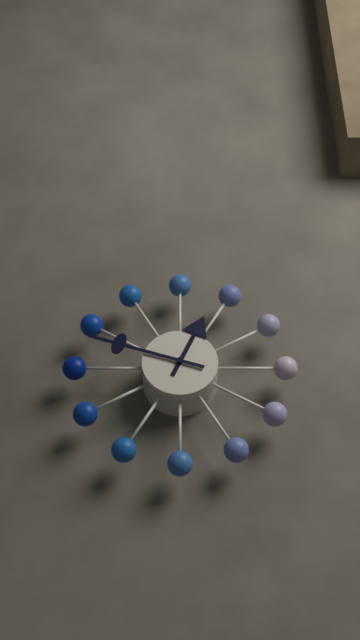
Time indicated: 12h48
